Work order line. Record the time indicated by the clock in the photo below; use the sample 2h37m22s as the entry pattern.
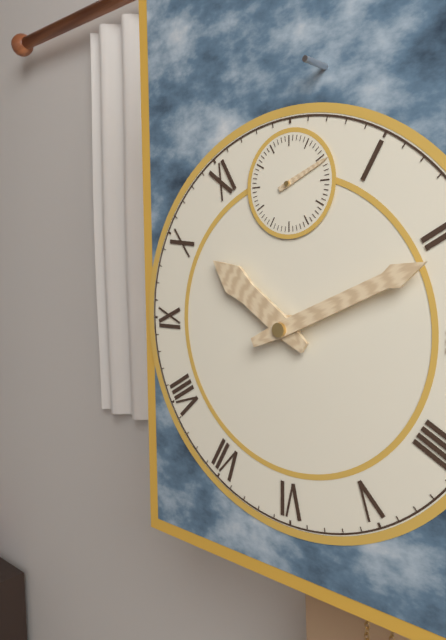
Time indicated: 10h11m11s
